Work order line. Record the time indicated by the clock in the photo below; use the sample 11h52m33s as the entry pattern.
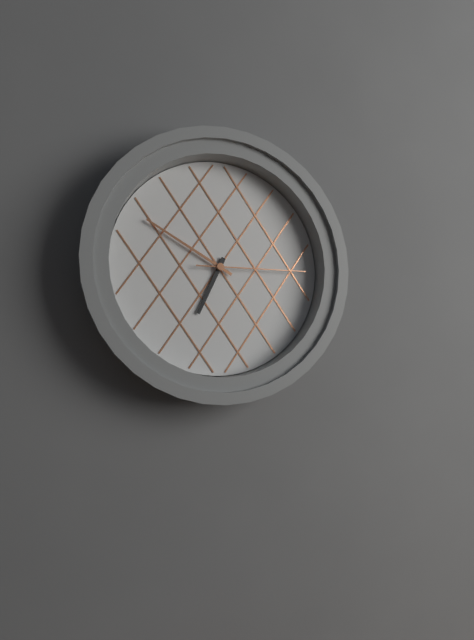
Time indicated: 6h50m15s
